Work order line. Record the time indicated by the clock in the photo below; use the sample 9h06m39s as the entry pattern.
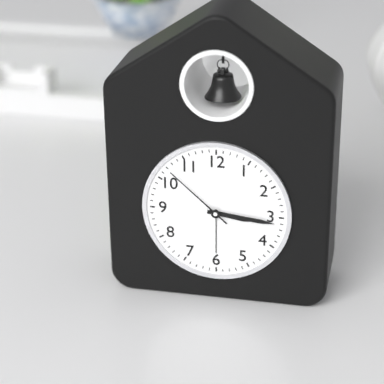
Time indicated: 3h16m52s
